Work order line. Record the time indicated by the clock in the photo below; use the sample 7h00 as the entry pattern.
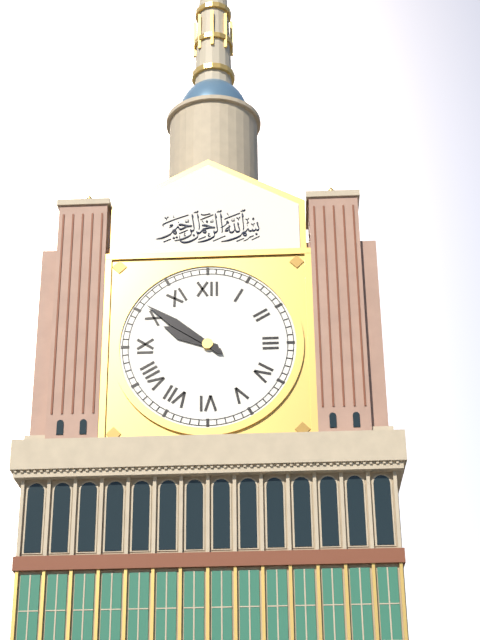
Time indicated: 9h51
